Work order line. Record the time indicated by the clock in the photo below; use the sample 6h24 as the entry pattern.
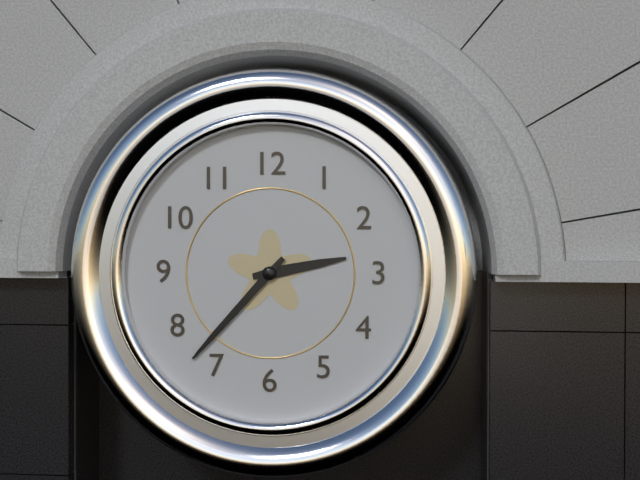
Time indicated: 2h37
